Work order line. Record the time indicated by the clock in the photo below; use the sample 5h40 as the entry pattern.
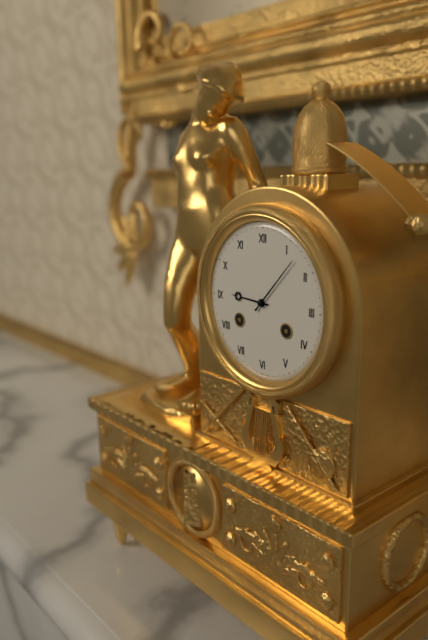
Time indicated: 9h07
